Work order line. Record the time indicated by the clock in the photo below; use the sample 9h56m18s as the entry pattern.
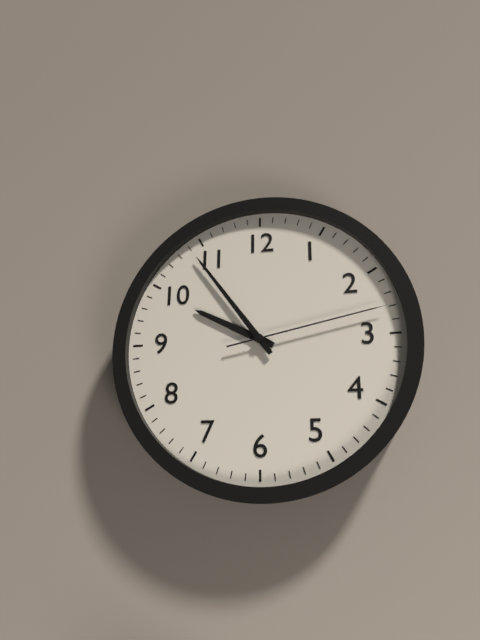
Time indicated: 9h54m13s
